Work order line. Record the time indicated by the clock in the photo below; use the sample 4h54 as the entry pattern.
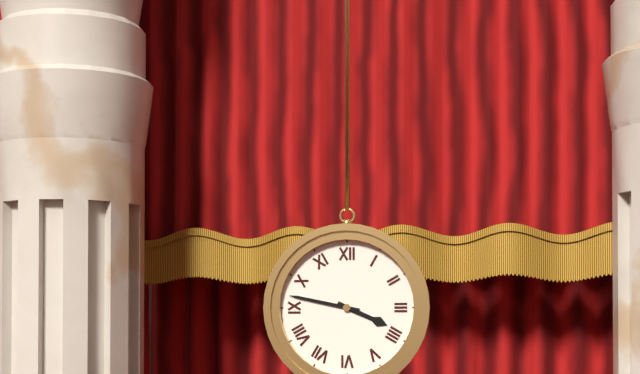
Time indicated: 3h47
